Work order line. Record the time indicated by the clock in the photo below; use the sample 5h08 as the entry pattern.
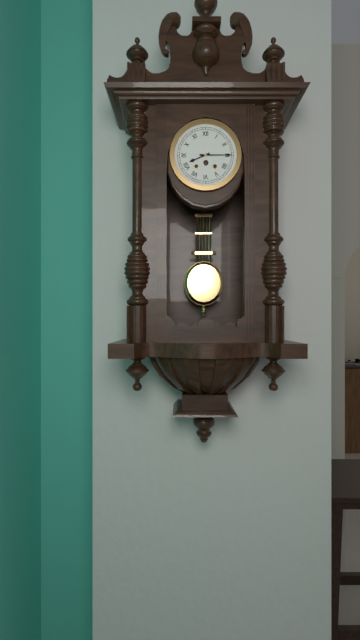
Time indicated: 8h15
